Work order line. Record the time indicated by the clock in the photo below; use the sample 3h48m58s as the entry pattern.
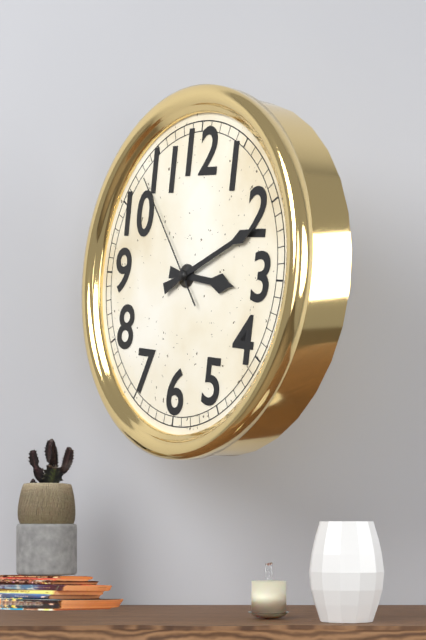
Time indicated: 3h11m53s
